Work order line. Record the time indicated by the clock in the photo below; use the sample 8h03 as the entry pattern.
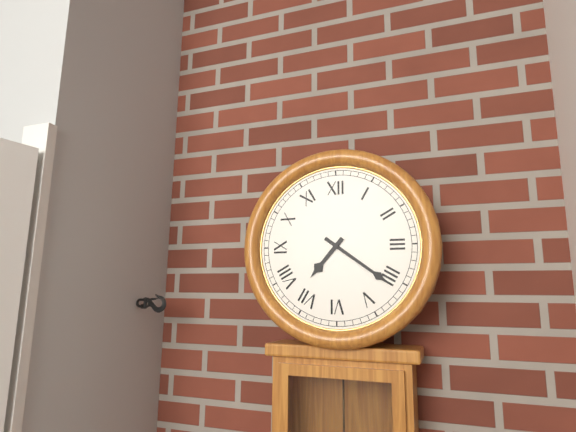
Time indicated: 7h21
